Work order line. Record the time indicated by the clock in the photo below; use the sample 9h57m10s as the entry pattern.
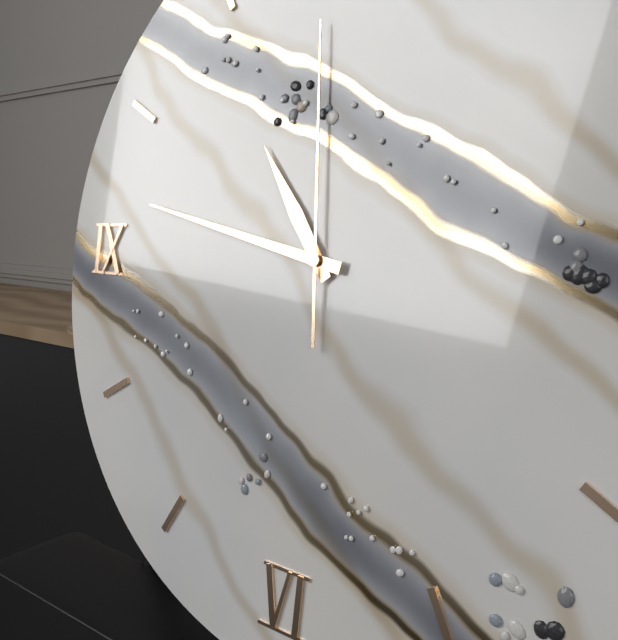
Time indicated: 10h47m59s
